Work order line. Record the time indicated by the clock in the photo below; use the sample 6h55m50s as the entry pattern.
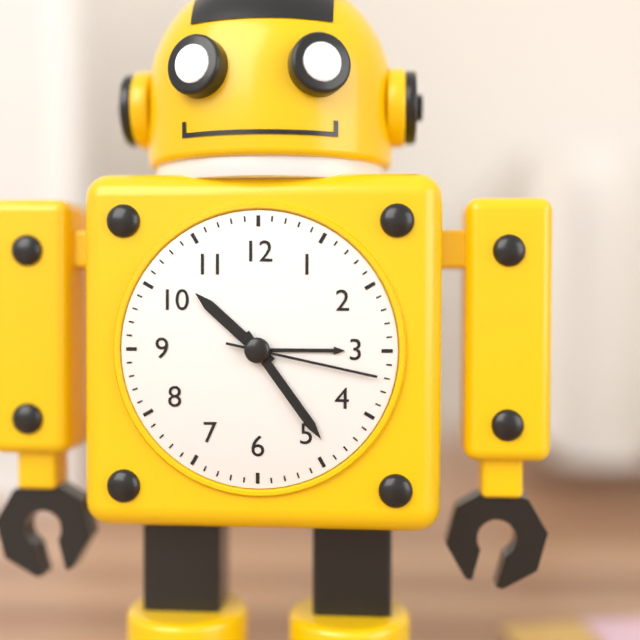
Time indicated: 10h24m17s
